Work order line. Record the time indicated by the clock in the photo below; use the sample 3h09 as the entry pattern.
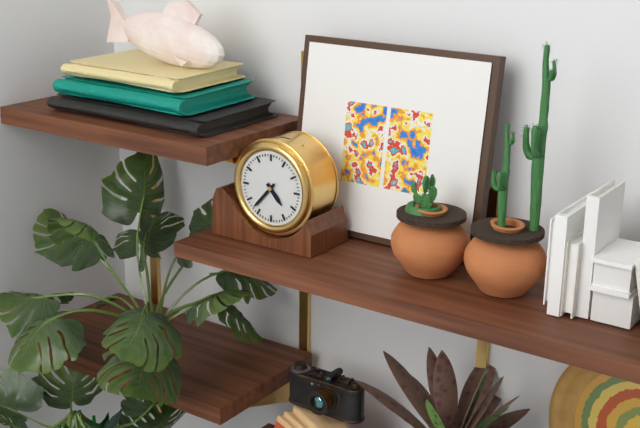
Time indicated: 4h37
